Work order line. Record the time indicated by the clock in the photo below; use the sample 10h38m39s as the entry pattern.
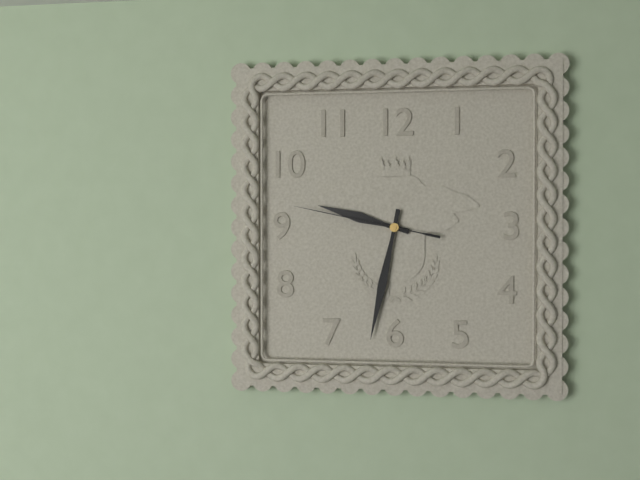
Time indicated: 9h32m47s
